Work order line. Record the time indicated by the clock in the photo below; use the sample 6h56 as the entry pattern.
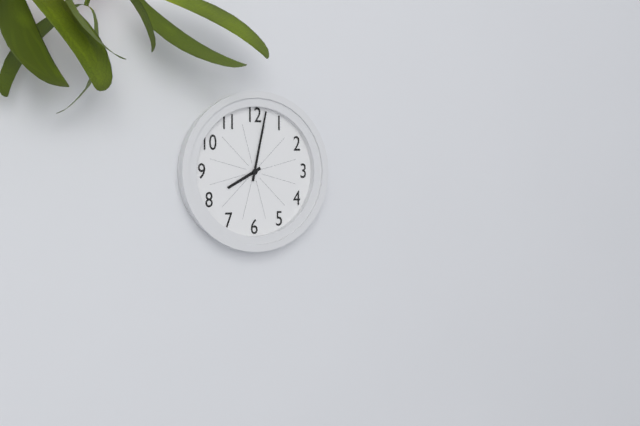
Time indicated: 8h02
